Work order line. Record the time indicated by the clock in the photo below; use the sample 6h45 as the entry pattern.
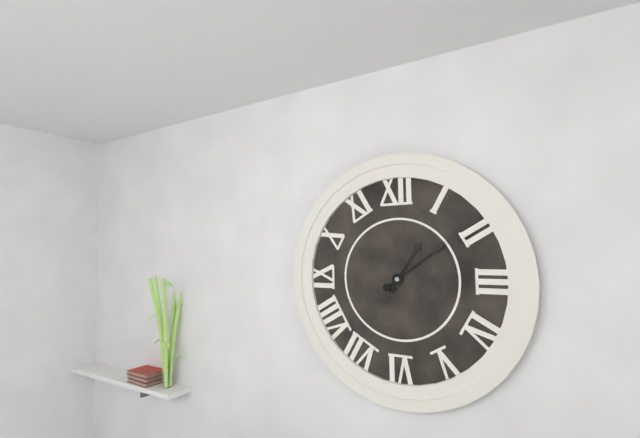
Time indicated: 1h09
